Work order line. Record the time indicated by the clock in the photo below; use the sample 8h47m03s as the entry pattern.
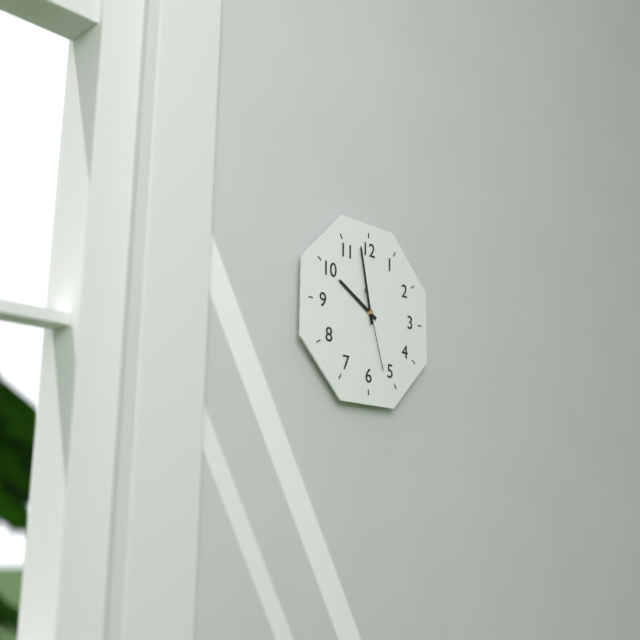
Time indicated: 9h58m27s
